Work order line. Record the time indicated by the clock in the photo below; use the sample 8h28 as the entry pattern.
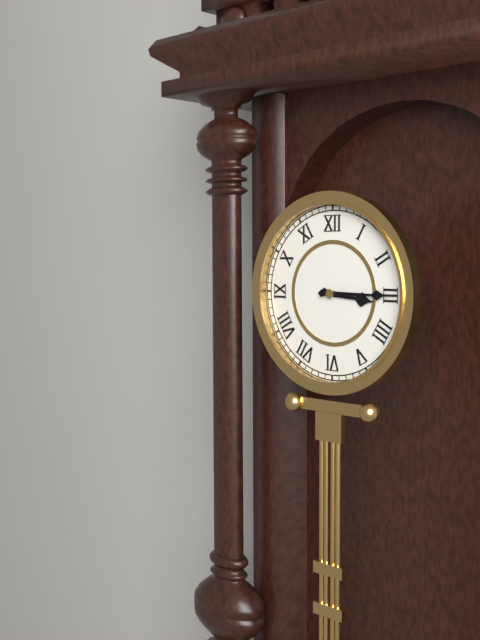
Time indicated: 3h15
